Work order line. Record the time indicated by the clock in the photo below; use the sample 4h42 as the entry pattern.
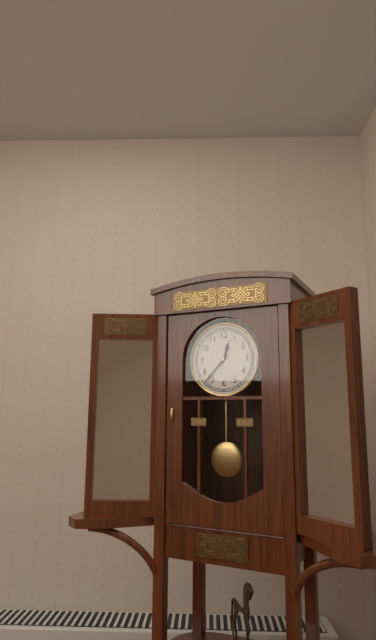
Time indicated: 12h37
